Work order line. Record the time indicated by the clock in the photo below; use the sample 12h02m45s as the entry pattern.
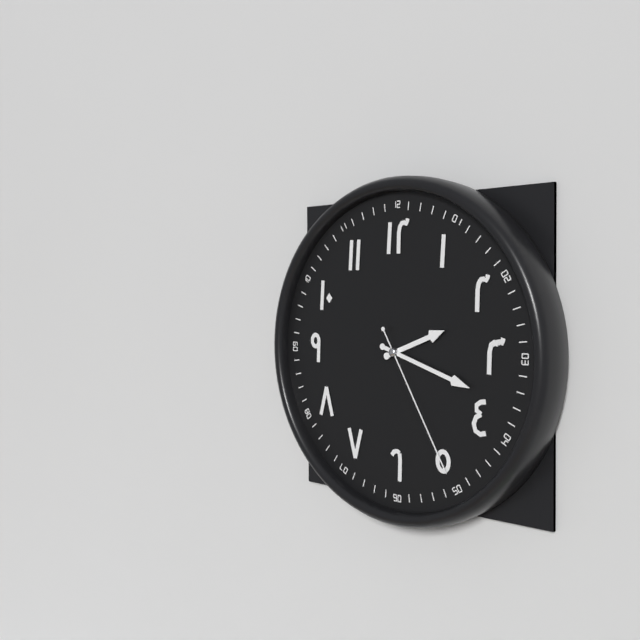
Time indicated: 2h18m25s
